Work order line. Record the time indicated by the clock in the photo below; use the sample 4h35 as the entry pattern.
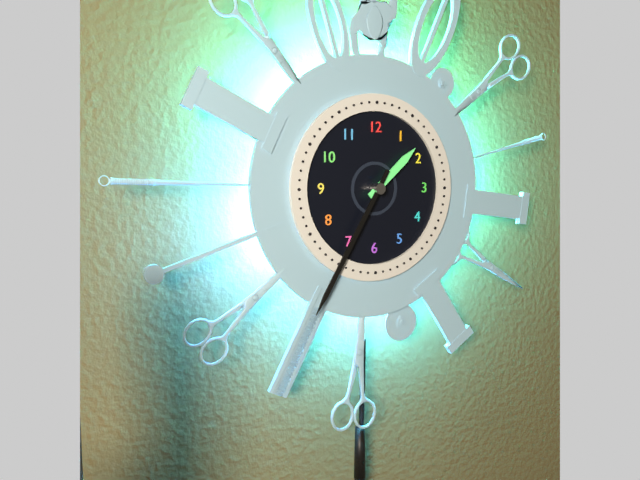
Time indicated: 1h35
